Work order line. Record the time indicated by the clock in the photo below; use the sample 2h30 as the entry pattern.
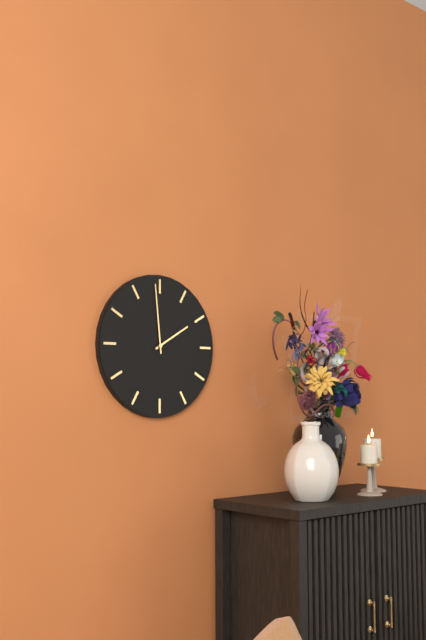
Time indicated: 1h59
